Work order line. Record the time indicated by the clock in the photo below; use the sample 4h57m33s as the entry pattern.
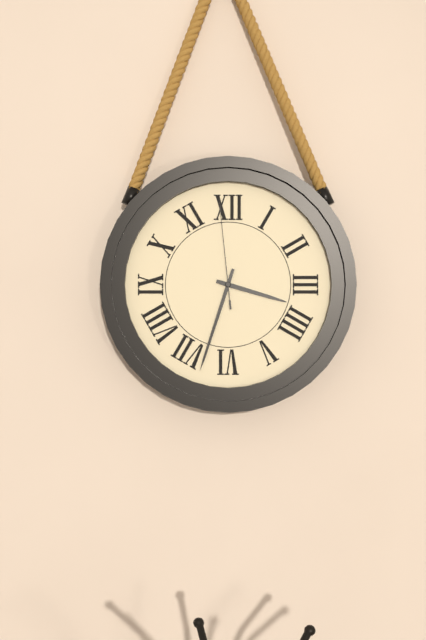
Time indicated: 3h33m59s
